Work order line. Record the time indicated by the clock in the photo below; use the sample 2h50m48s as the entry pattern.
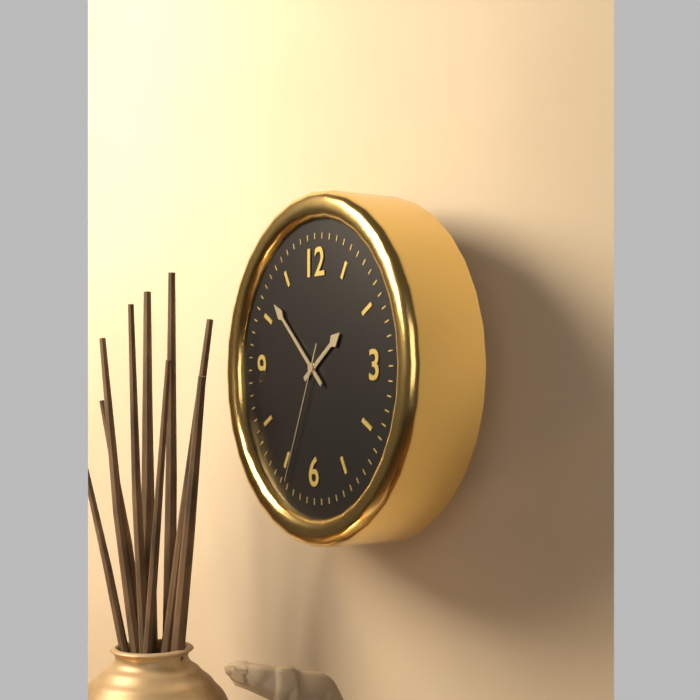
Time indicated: 1h52m34s
